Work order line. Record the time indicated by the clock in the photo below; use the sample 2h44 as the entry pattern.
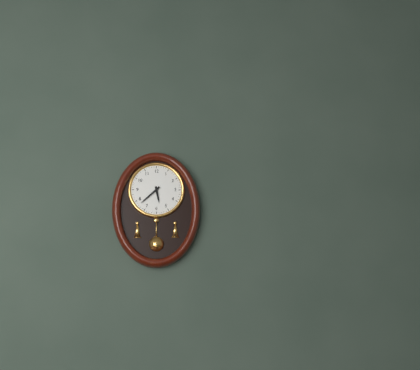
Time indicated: 5h38
